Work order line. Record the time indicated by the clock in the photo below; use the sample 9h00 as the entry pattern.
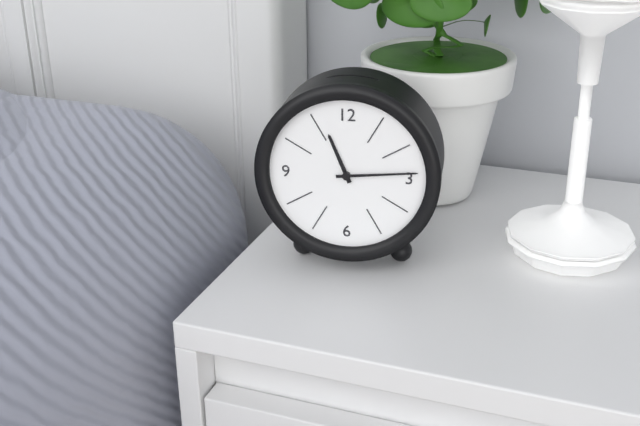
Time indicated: 11h14
